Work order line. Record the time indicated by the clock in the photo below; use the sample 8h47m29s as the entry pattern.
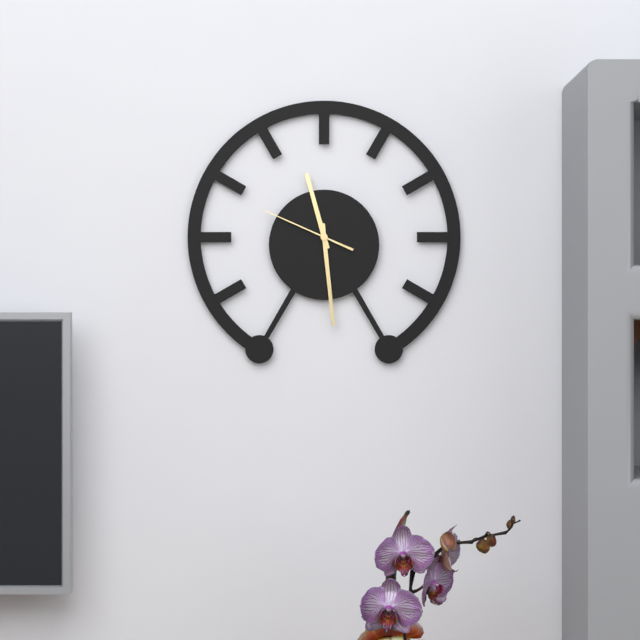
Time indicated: 11h29m49s
